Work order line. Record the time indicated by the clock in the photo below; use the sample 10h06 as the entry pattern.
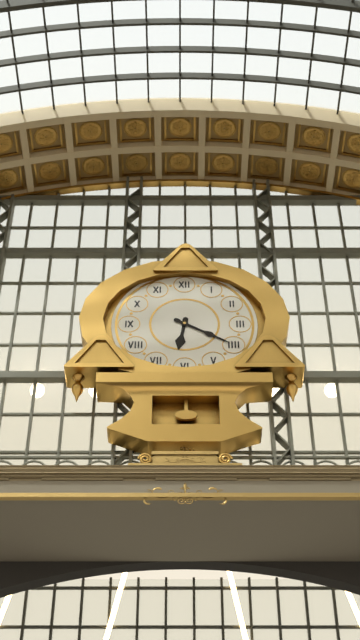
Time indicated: 6h20
